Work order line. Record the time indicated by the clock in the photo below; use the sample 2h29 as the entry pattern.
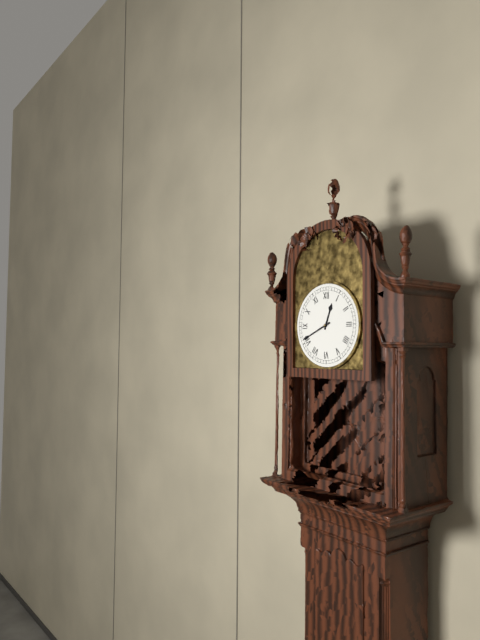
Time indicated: 12h41
